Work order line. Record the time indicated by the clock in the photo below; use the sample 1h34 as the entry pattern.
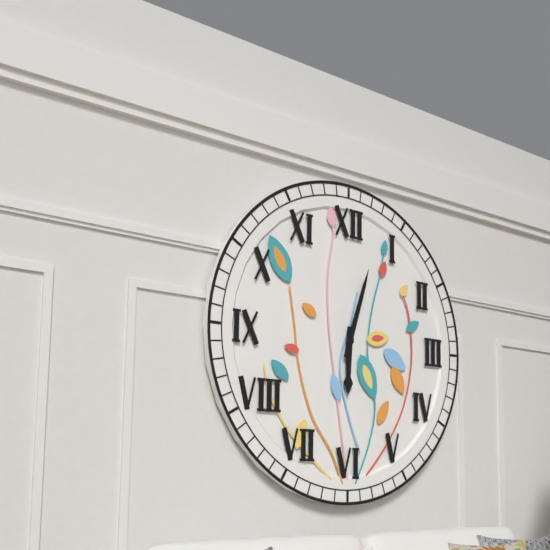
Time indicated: 6h03
